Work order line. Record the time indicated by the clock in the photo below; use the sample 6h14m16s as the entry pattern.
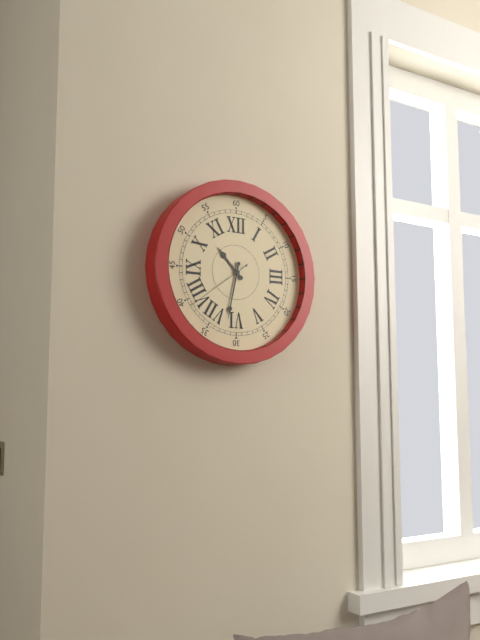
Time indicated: 10h32m39s
